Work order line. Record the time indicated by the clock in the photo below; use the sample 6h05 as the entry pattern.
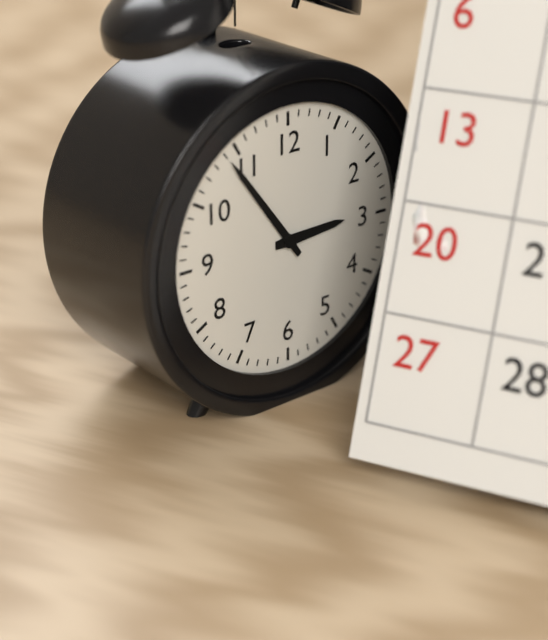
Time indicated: 2h54
